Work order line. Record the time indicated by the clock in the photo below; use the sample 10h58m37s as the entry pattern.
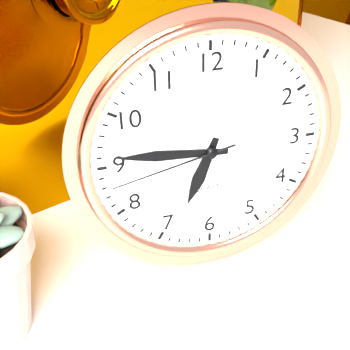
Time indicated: 6h46m43s
